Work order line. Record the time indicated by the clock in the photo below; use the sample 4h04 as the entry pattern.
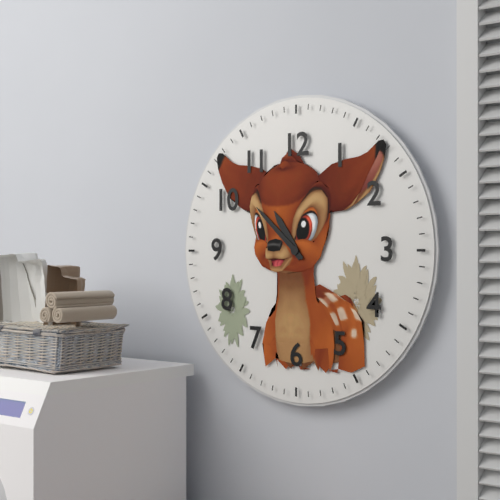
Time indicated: 10h52
